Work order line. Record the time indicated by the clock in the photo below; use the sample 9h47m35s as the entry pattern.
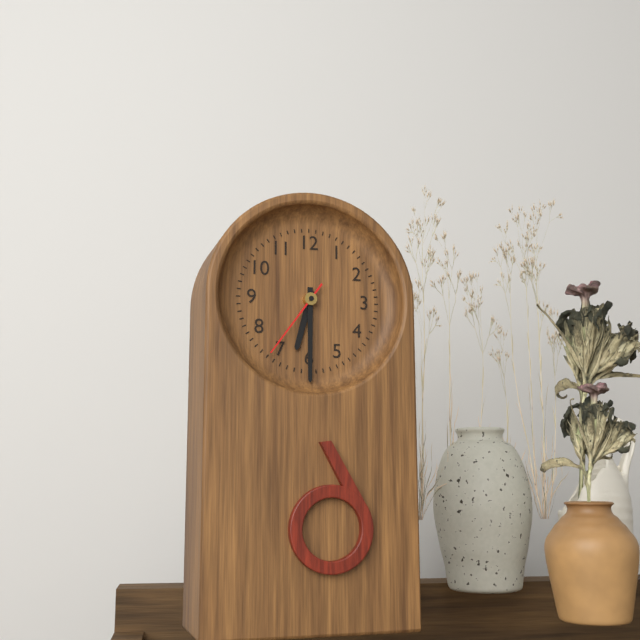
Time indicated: 6h30m36s
